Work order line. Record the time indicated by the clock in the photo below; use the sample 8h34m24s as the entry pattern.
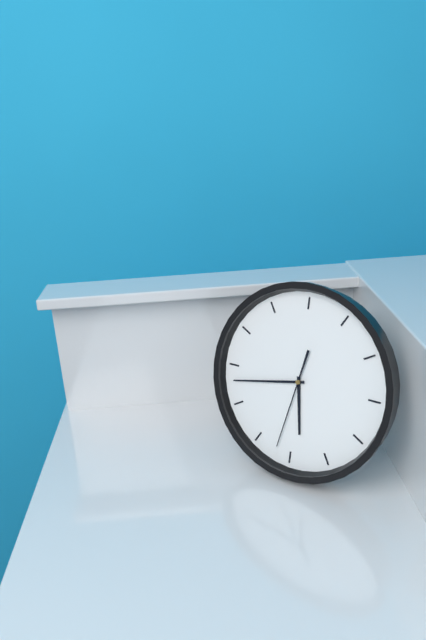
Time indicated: 5h43m32s
